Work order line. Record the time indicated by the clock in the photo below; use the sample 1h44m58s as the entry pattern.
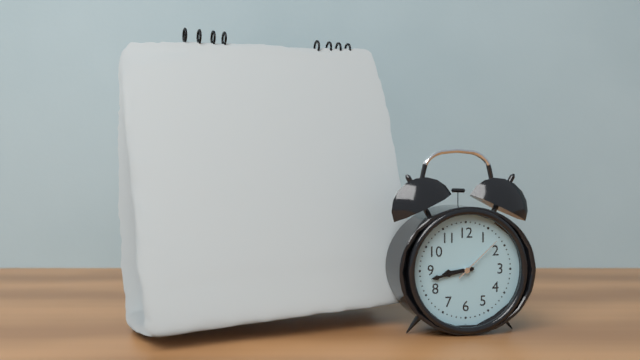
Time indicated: 8h43m08s
